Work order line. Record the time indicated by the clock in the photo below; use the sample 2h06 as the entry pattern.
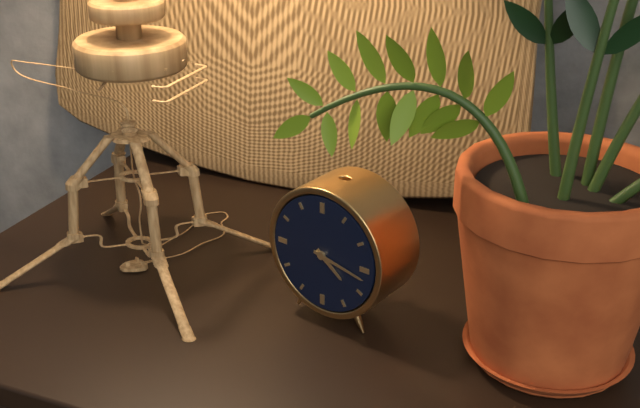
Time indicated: 4h17
